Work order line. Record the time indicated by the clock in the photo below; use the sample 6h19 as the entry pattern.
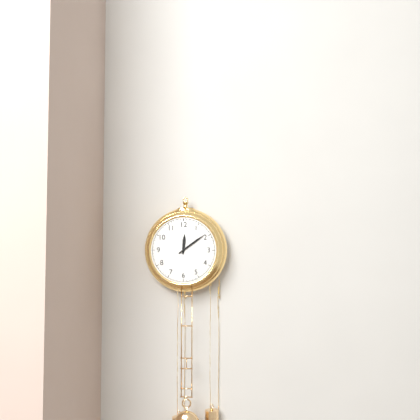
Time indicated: 12h09
